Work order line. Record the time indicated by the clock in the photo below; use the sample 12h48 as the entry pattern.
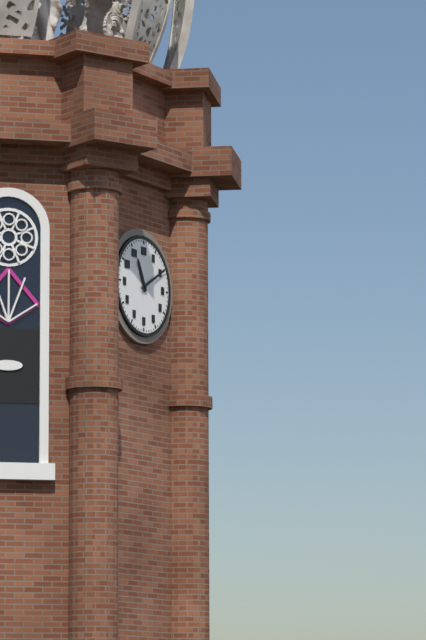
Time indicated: 11h10
